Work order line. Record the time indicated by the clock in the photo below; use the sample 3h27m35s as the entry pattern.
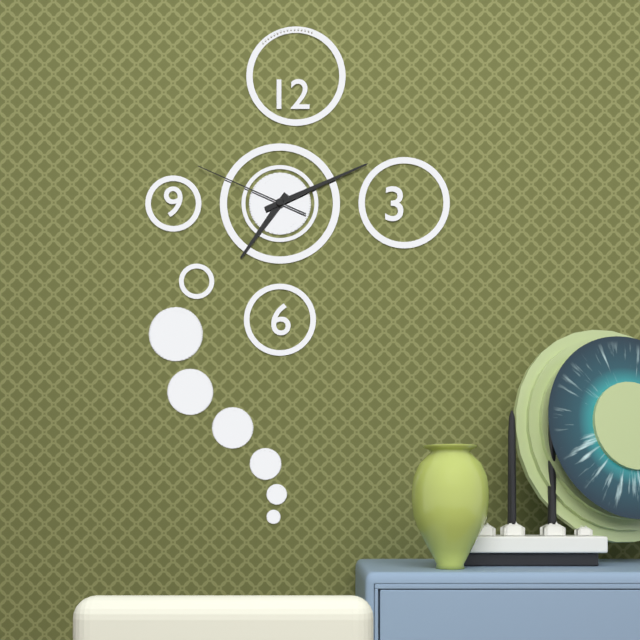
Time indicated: 7h11m49s
